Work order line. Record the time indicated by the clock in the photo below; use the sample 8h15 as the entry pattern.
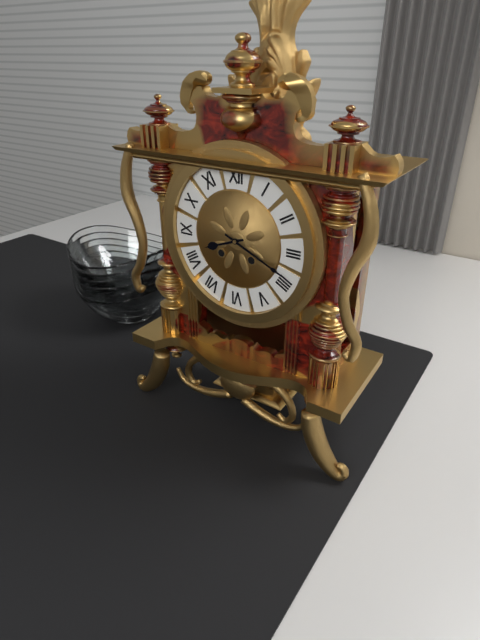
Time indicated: 8h19
